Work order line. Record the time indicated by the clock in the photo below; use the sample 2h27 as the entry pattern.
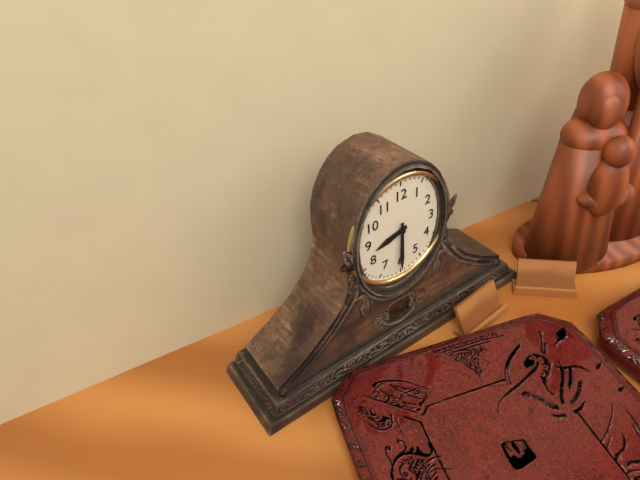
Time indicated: 8h30
